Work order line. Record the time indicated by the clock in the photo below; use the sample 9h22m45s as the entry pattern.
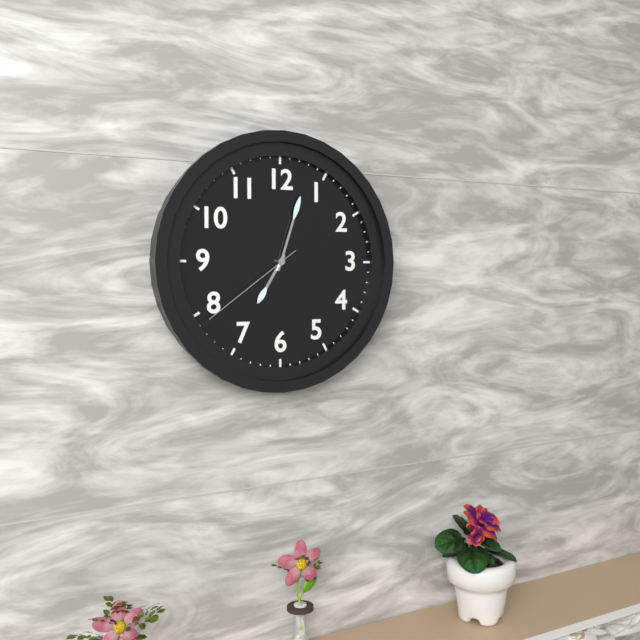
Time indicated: 7h03m39s
